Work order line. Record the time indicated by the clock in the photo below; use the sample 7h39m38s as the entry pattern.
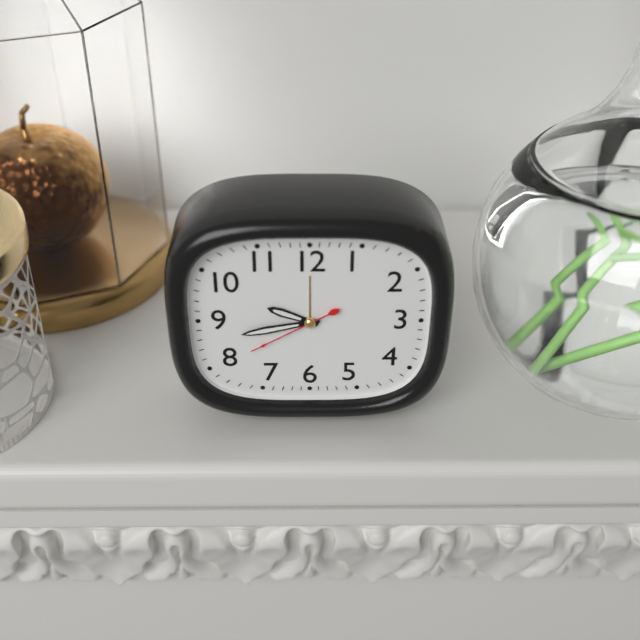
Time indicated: 9h43m40s
